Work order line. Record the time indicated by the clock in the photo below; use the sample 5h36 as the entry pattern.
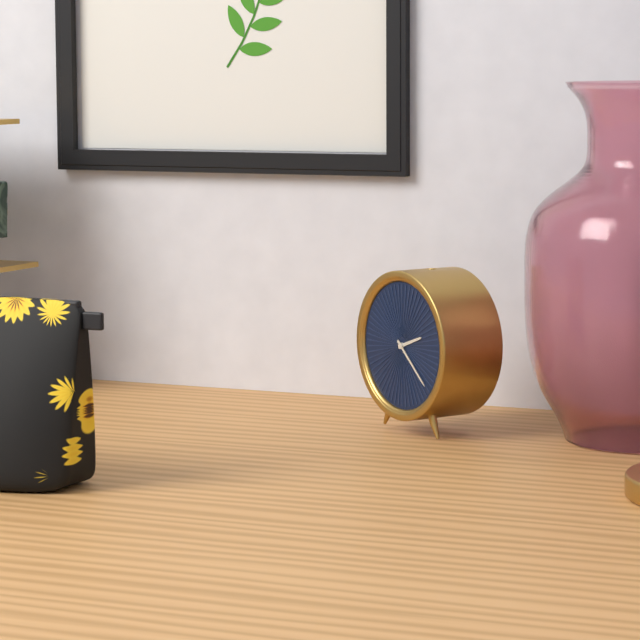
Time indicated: 2h22
